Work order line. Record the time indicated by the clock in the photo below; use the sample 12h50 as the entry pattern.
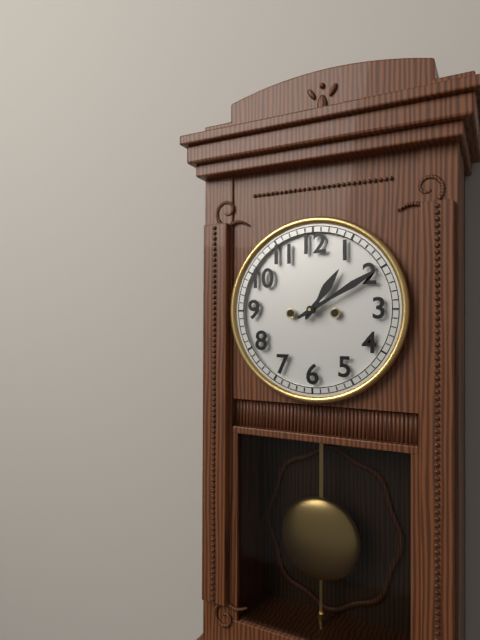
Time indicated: 1h10
